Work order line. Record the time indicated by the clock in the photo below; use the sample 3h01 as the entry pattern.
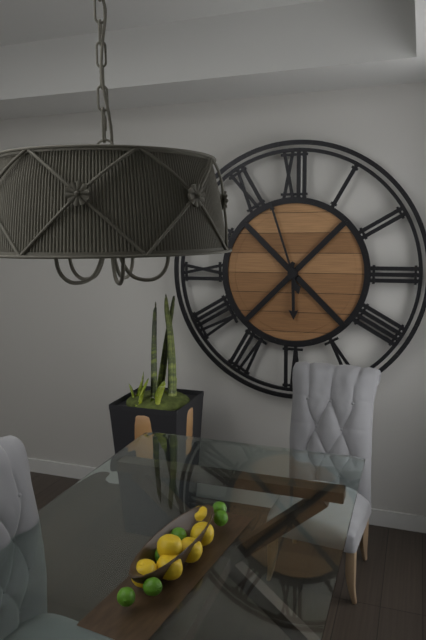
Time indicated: 5h57
